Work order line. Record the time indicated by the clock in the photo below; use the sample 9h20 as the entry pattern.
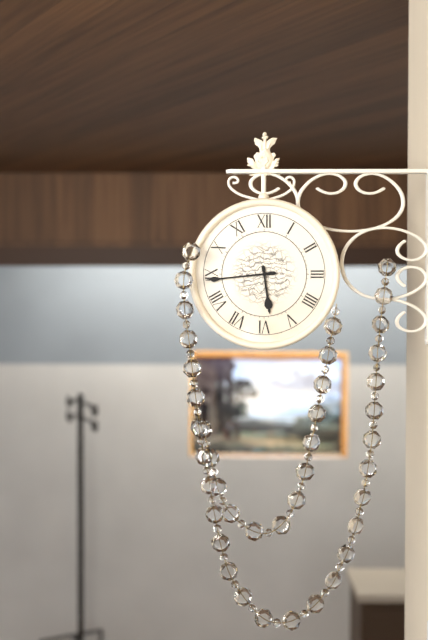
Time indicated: 5h44
